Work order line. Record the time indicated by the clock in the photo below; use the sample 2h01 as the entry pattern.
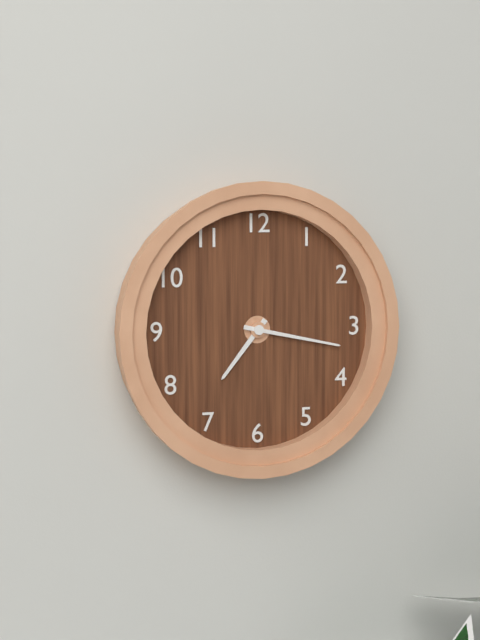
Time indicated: 7h17
